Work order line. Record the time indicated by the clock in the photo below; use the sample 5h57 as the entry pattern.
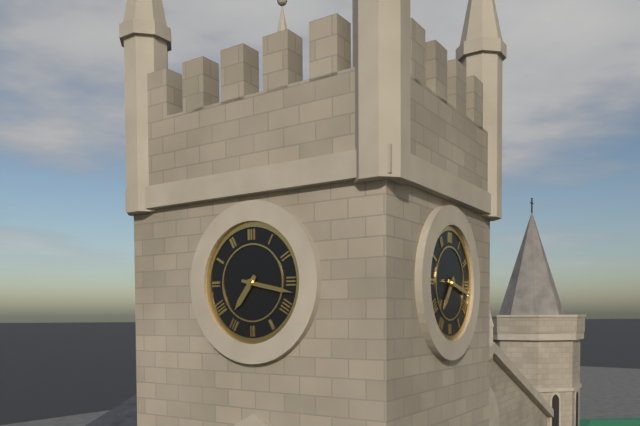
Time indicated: 7h17
